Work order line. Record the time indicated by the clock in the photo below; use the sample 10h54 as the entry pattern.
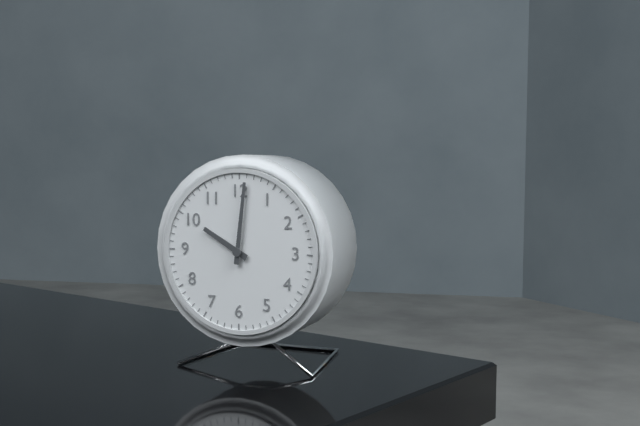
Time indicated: 10h01
